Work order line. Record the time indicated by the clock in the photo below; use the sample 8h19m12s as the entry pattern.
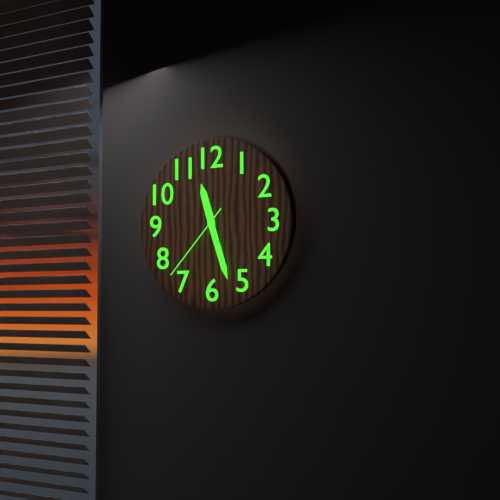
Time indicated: 11h27m37s
